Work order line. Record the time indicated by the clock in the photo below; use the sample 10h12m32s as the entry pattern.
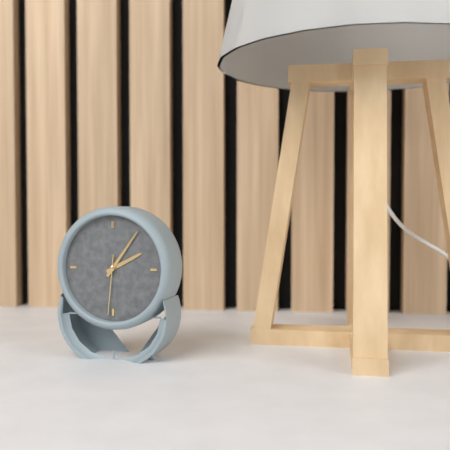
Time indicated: 2h06m31s
